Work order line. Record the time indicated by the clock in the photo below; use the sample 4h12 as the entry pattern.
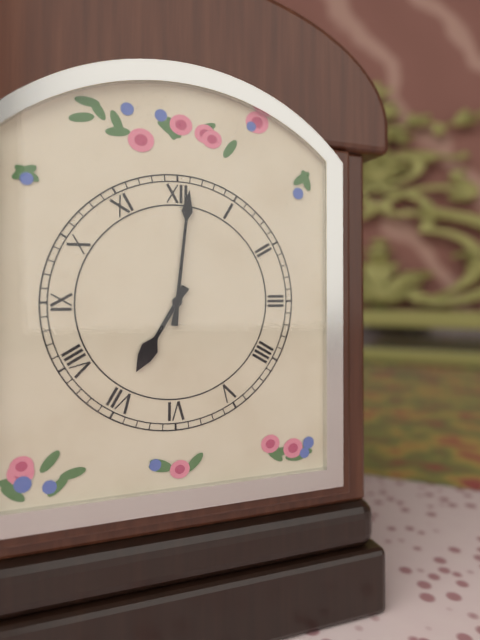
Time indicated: 7h01
